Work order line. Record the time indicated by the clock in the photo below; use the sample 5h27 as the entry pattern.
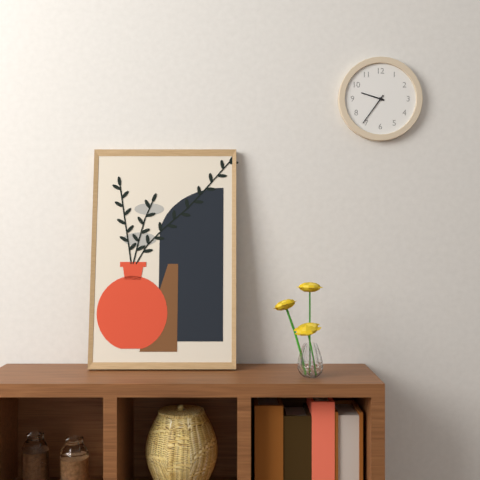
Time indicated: 9h36
